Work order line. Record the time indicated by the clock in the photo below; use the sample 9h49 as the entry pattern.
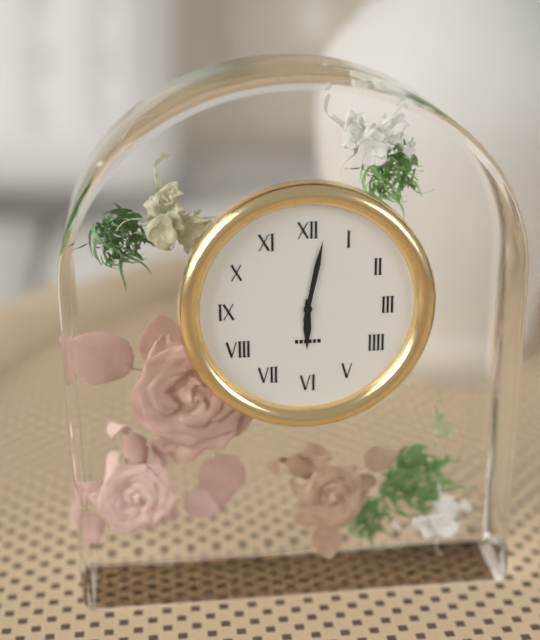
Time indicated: 6h02
